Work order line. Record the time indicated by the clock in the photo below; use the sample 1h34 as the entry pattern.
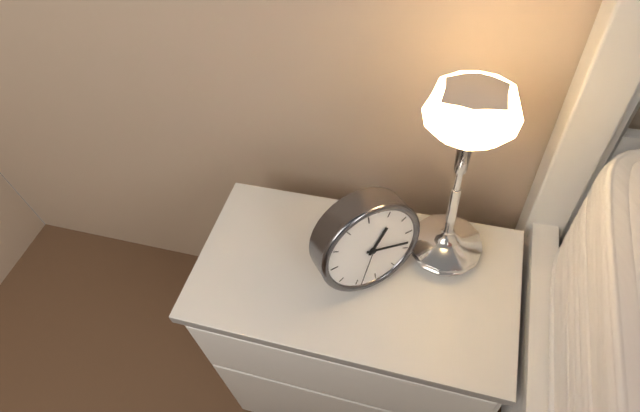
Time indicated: 1h18
